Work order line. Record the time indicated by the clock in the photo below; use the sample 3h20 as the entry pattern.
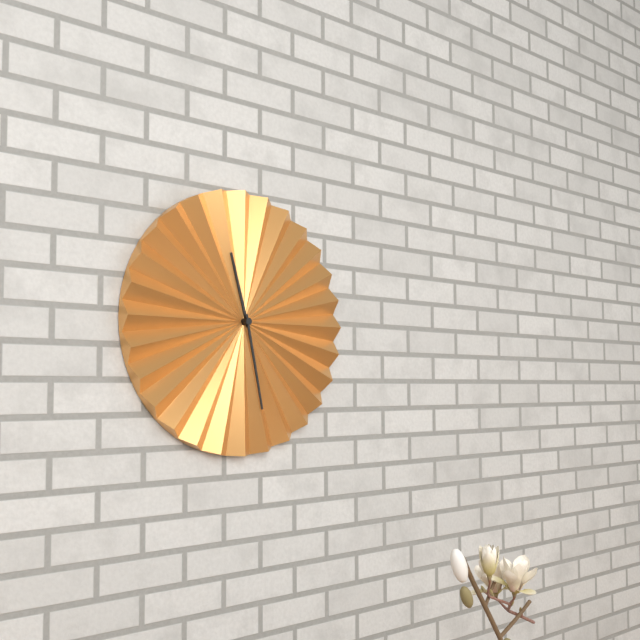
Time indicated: 11h28
